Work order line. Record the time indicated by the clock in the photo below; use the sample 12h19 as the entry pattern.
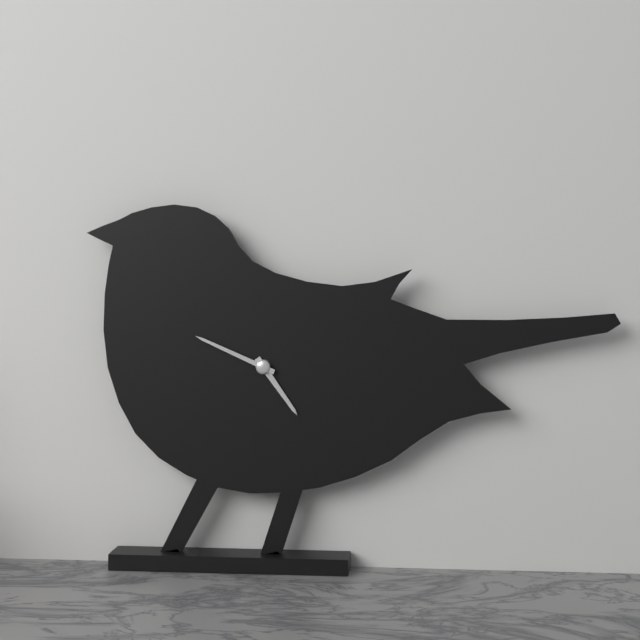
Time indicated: 4h49
